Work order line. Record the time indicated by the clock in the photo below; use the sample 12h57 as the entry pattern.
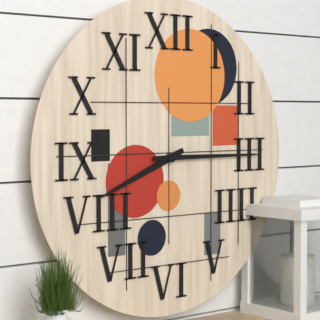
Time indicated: 8h15
